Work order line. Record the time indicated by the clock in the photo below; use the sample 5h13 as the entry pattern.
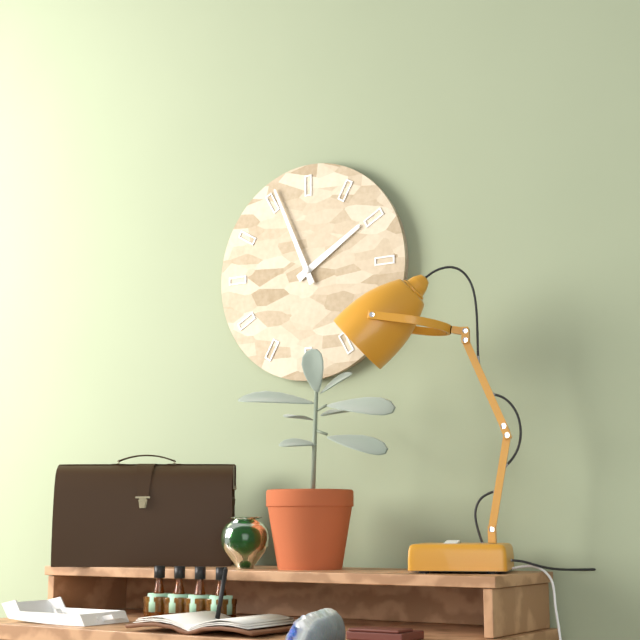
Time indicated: 1h56
